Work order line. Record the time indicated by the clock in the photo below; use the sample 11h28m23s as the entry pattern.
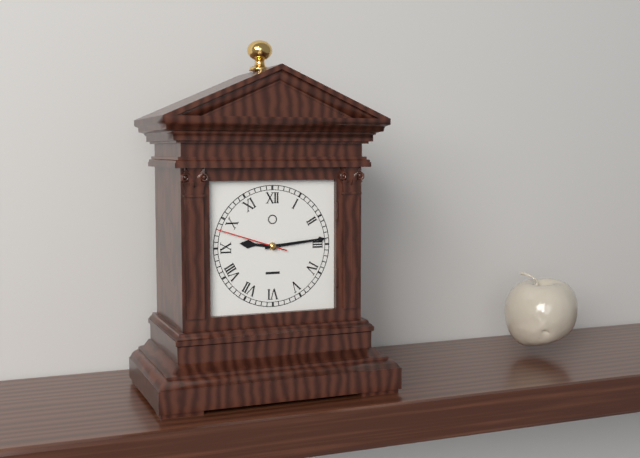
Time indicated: 9h14m48s
